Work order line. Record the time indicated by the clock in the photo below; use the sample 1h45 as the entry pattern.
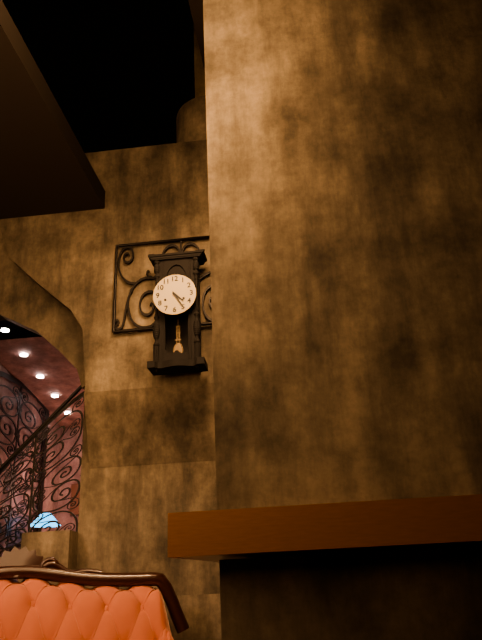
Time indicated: 4h25
